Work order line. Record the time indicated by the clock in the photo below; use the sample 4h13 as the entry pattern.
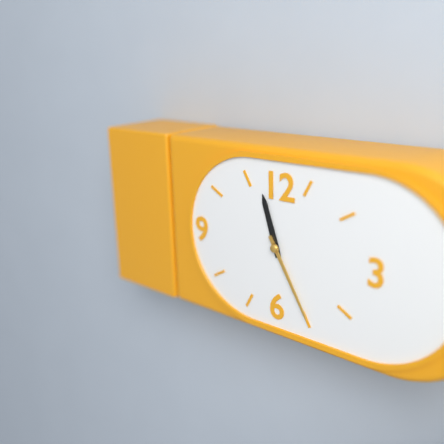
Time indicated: 11h25
